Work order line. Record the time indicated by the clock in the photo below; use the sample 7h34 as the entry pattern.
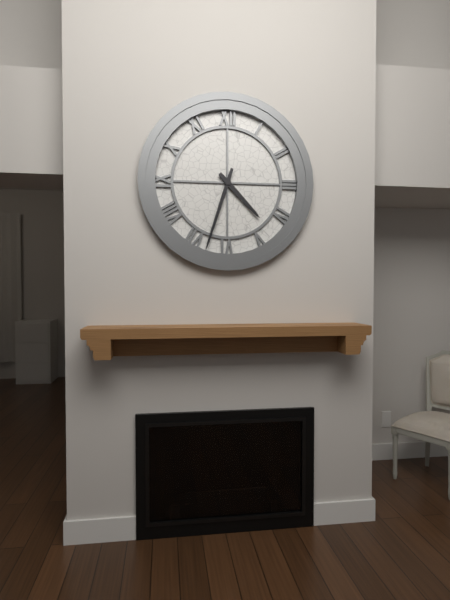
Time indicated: 4h33
